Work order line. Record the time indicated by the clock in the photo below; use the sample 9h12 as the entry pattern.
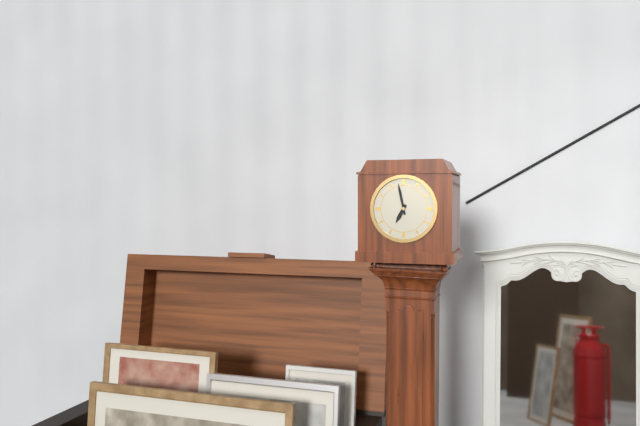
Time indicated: 6h58
